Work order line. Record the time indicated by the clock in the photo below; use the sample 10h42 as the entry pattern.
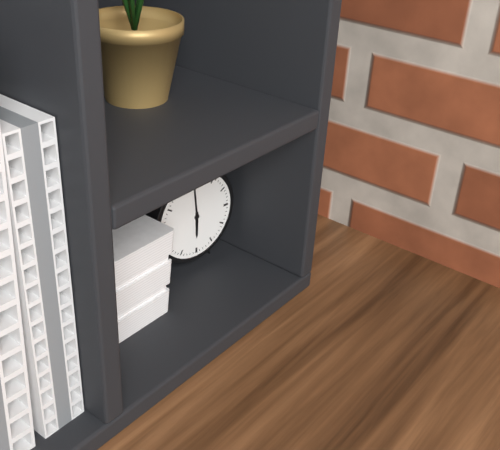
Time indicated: 5h59
